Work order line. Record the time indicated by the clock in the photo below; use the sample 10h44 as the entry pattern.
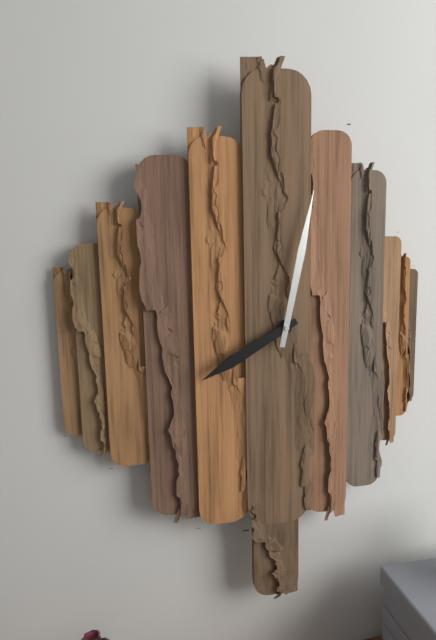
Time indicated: 8h02
